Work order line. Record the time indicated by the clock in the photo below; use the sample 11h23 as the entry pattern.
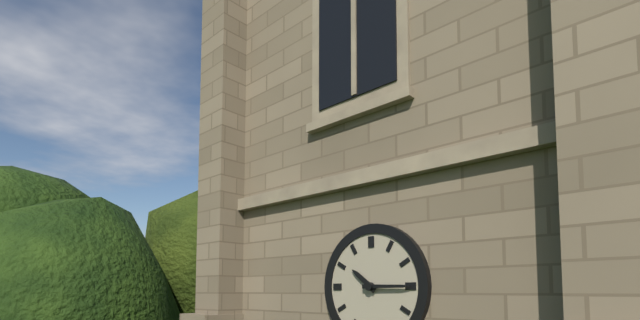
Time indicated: 10h15
